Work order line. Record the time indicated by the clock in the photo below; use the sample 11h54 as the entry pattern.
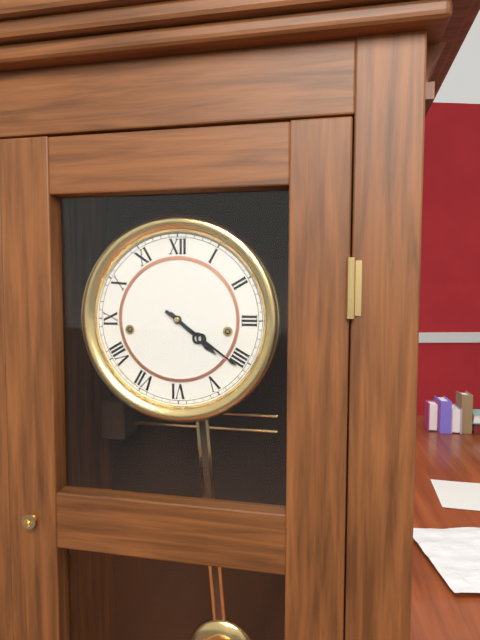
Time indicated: 4h21
